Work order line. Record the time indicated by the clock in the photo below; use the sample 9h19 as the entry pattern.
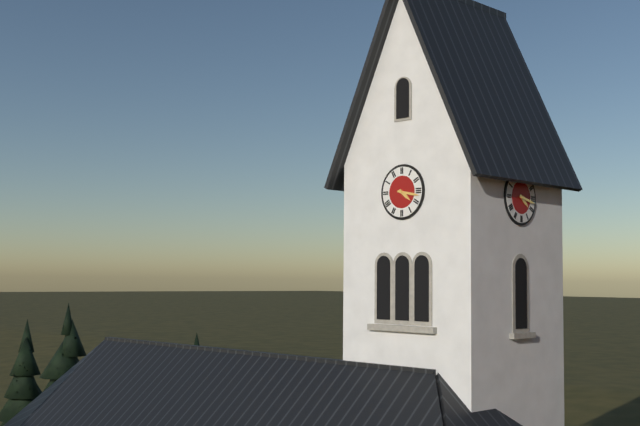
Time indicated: 4h17
